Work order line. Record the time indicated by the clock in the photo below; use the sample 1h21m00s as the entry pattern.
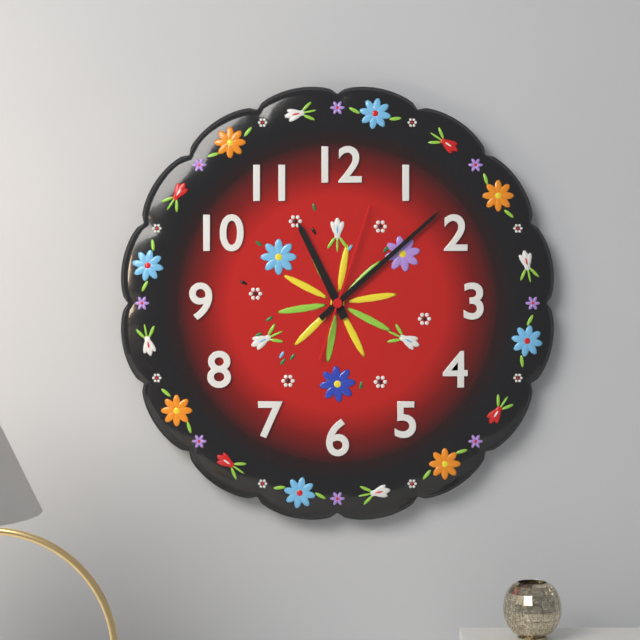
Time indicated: 11h08m03s
